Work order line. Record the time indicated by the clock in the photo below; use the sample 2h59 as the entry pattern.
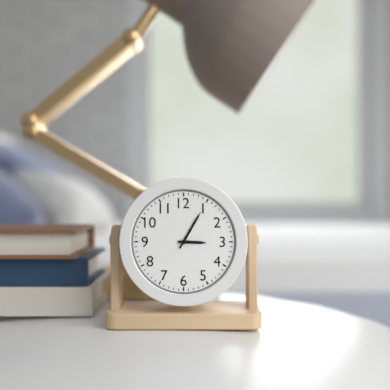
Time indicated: 3h05
